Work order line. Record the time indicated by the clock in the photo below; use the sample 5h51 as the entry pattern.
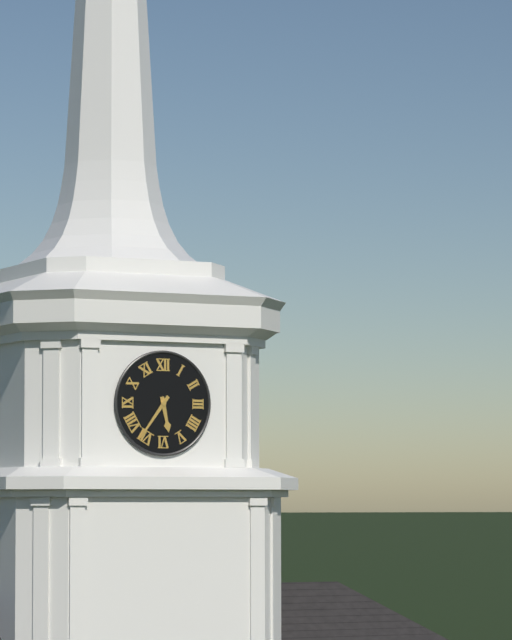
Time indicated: 5h36
